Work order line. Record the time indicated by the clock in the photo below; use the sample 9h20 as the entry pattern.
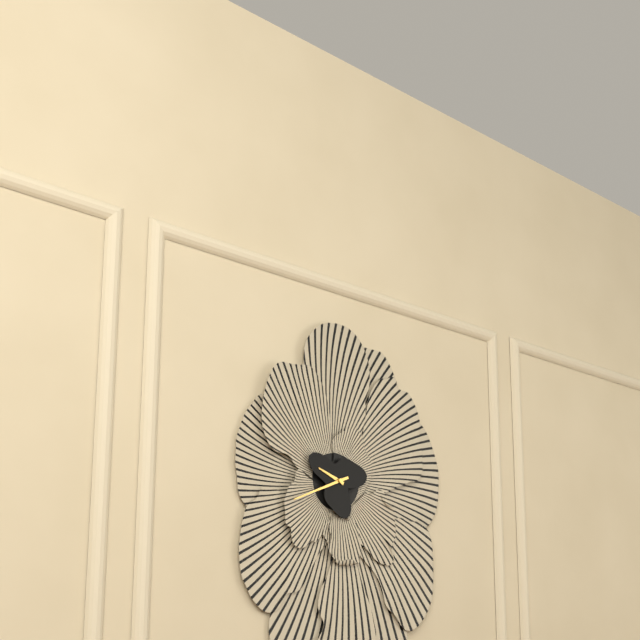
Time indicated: 9h41
